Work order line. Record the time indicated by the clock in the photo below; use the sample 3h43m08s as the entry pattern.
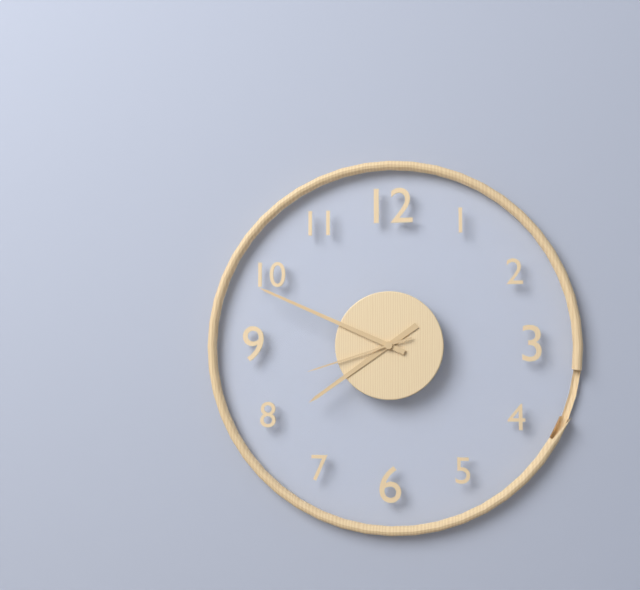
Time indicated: 7h49m42s
